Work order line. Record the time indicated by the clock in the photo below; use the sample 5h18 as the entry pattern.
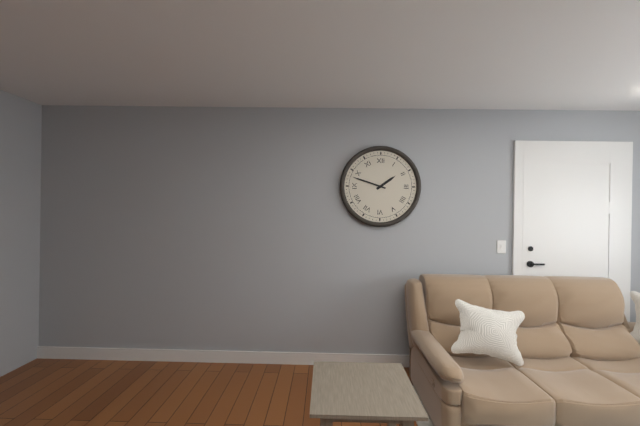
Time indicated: 1h48
